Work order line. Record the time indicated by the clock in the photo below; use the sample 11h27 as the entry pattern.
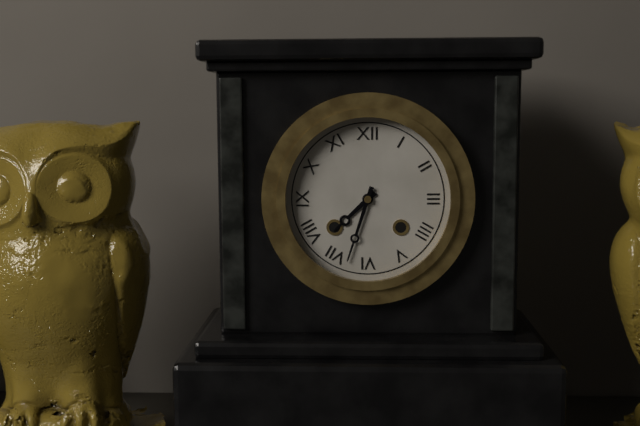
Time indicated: 7h33
